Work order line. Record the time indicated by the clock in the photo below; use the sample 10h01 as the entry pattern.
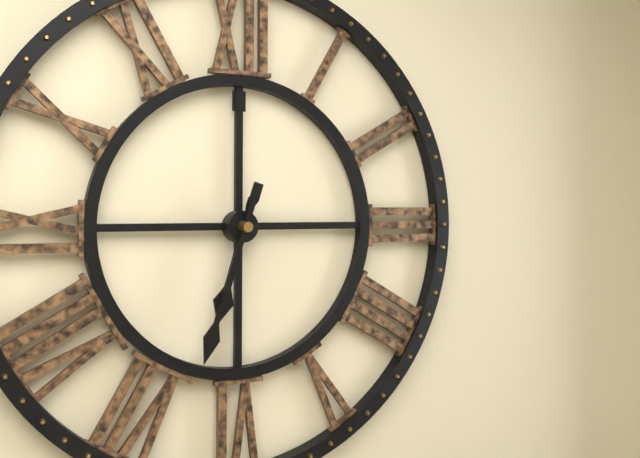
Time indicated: 6h33
